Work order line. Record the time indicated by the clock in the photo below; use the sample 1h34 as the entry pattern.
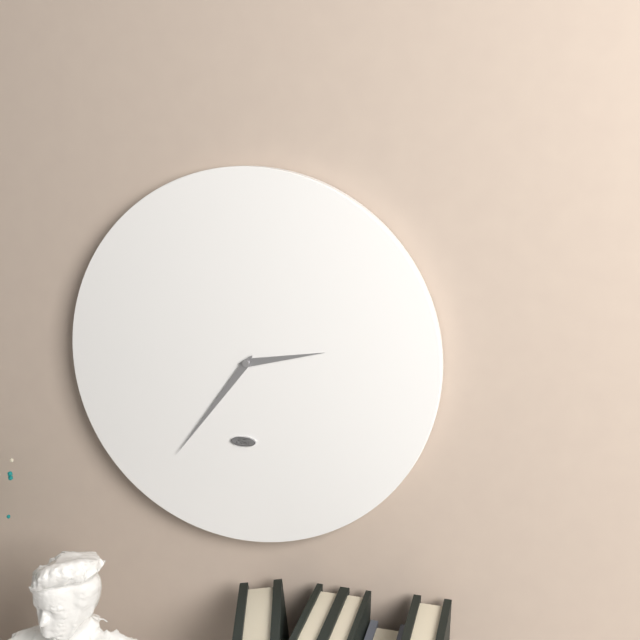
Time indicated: 2h36
